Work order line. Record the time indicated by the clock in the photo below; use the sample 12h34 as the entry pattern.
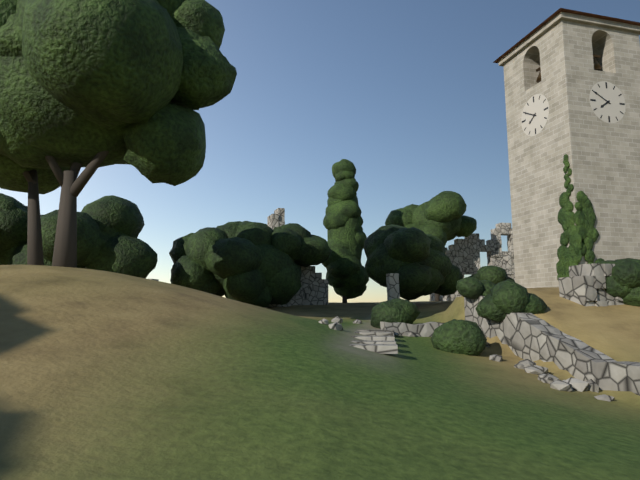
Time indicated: 7h50
